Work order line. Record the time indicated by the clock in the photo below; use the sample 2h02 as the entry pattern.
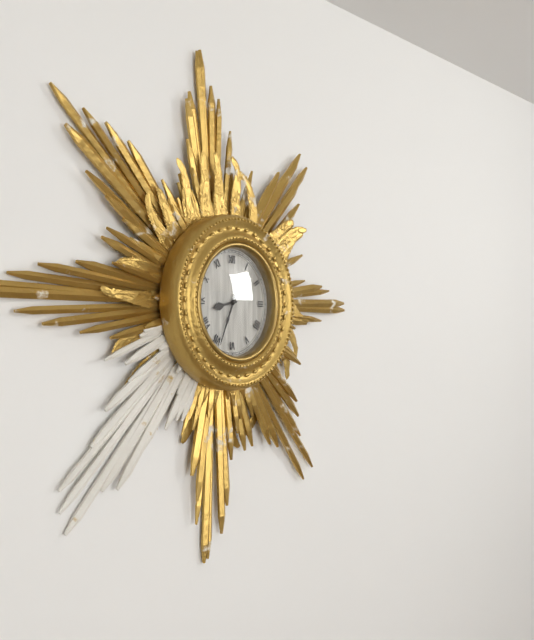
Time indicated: 8h34
